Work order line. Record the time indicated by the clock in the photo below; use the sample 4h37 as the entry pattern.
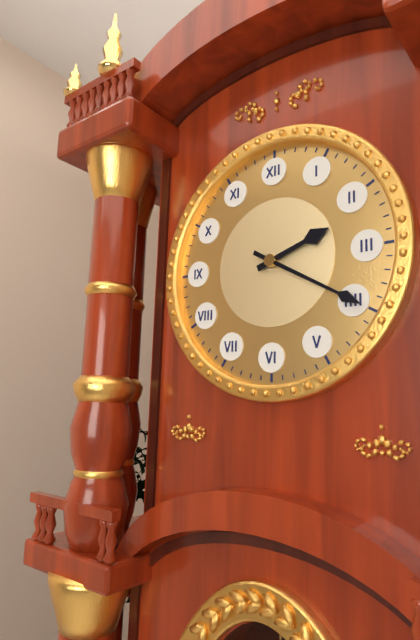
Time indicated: 2h20
